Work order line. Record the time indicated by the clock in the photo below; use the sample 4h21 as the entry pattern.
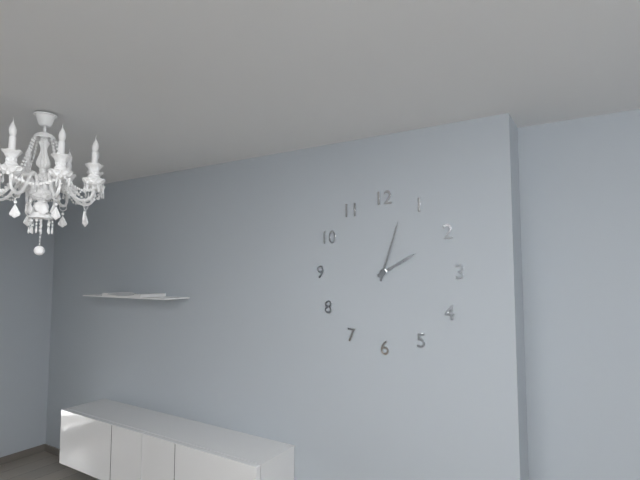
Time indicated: 2h03
